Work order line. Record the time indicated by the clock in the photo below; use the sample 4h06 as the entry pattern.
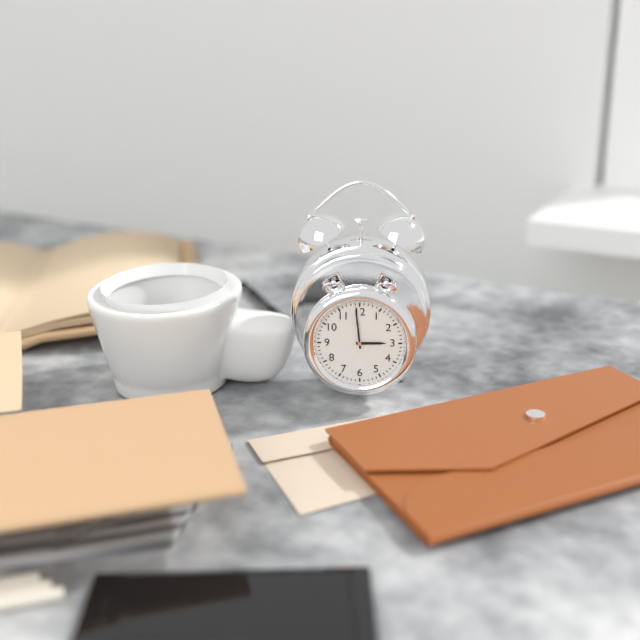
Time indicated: 2h59
